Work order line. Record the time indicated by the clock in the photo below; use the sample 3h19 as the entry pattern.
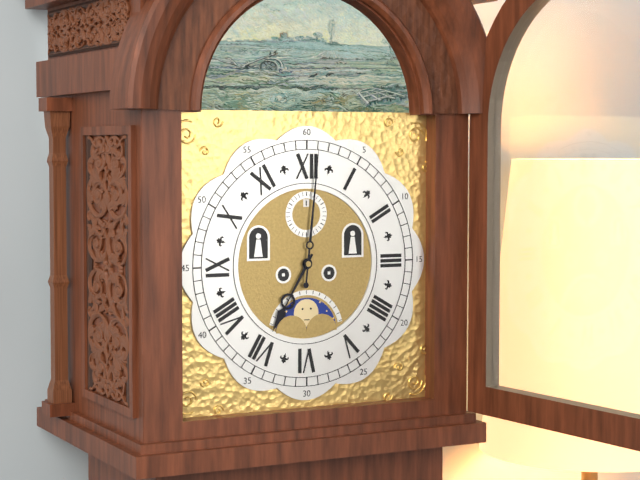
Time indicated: 7h01
